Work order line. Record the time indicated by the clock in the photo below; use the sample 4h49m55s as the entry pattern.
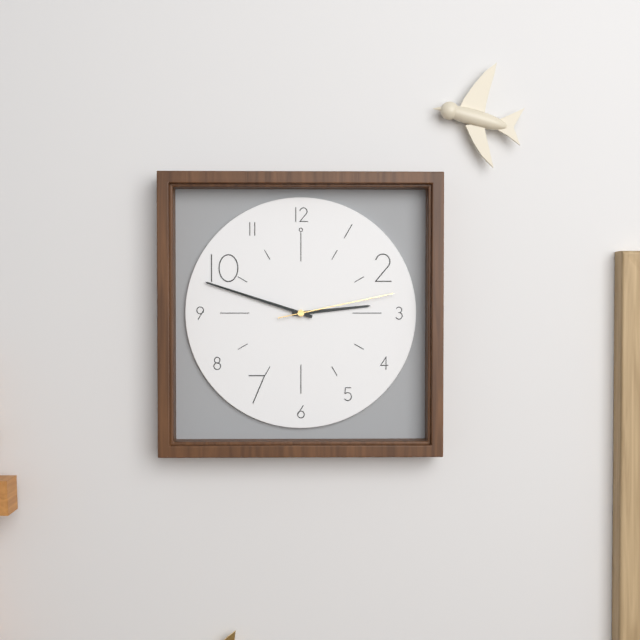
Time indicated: 2h48m13s
